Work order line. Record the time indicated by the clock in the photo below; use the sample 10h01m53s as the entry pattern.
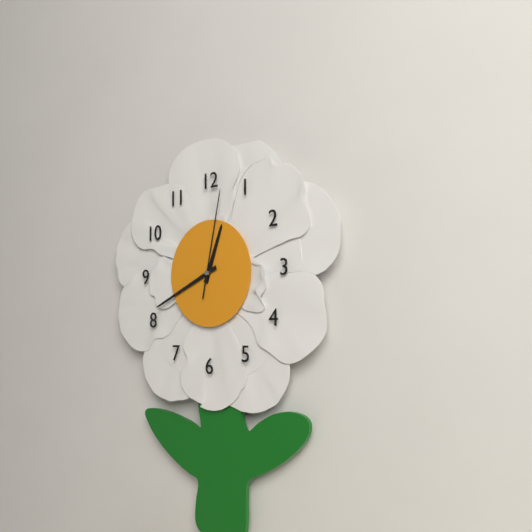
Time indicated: 12h41m02s
